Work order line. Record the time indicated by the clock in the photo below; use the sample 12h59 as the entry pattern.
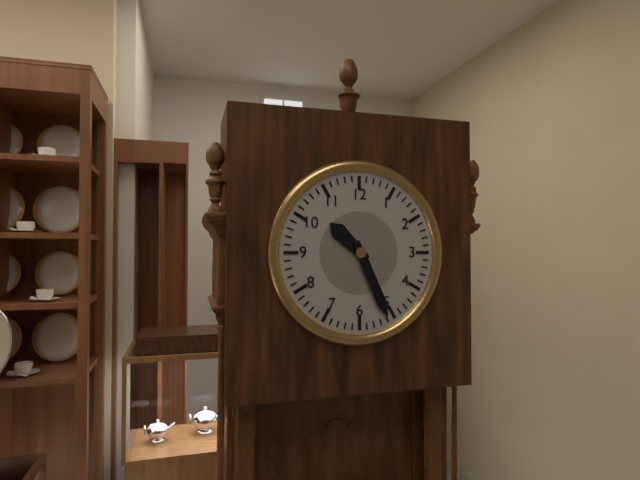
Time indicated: 10h26
